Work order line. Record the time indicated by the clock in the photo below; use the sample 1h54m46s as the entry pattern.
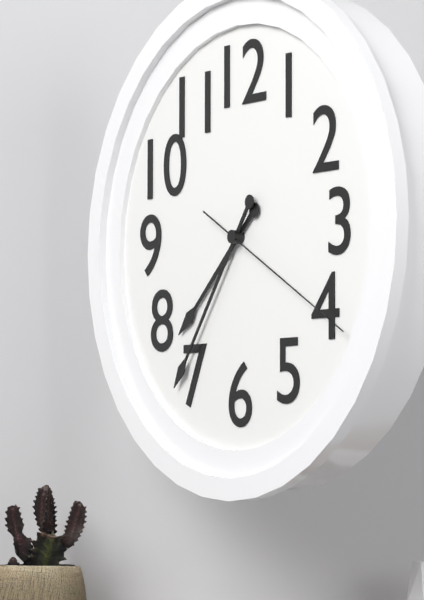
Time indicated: 7h36m20s
